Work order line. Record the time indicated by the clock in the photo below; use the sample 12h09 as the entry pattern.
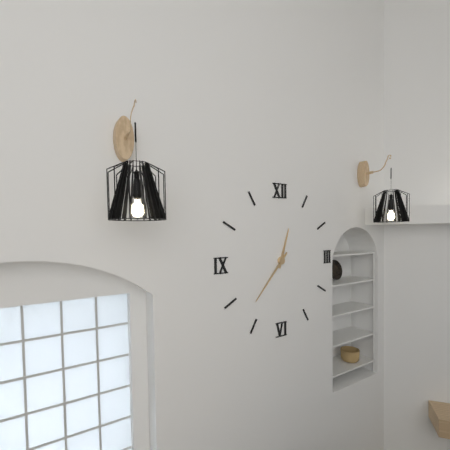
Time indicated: 12h37
